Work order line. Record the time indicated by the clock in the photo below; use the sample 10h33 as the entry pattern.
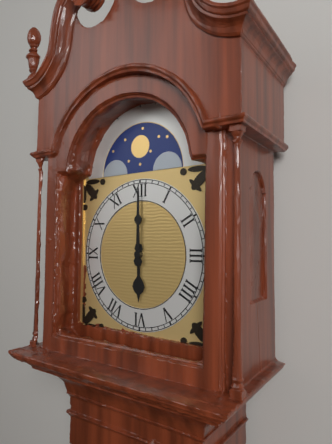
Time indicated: 6h00
